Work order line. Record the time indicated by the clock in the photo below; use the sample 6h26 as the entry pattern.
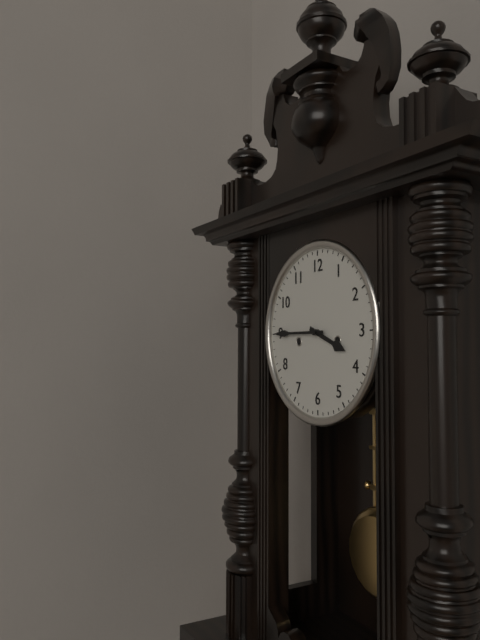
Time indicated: 3h45
